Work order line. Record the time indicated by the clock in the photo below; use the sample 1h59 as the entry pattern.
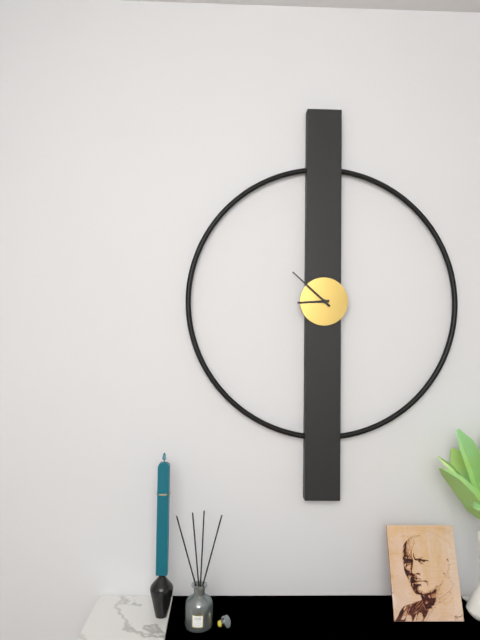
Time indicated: 8h52
